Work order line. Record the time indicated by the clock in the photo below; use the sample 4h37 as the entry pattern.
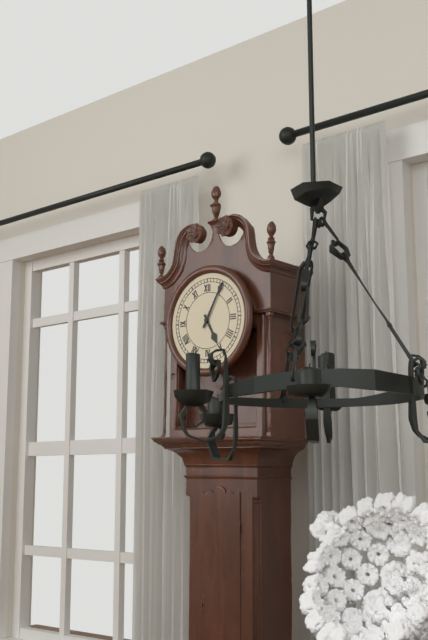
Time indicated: 5h05
